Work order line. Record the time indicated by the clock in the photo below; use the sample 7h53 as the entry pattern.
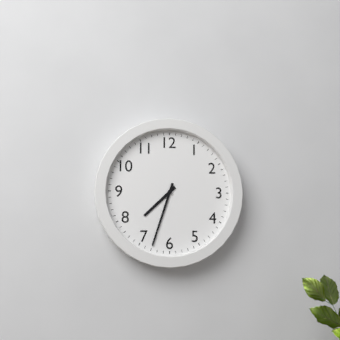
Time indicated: 7h33
